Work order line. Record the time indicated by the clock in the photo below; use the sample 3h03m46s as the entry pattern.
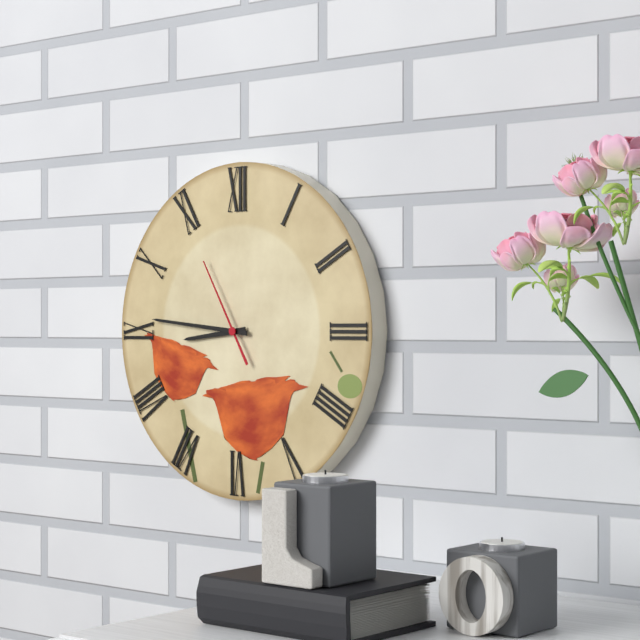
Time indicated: 8h46m55s
